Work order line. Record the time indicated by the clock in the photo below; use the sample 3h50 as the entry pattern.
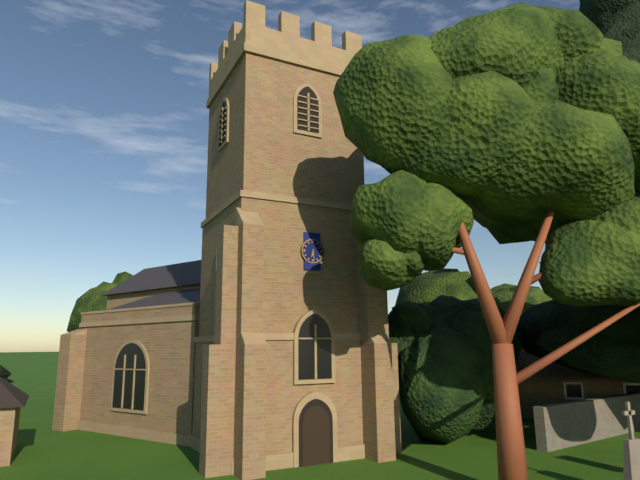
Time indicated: 6h29
